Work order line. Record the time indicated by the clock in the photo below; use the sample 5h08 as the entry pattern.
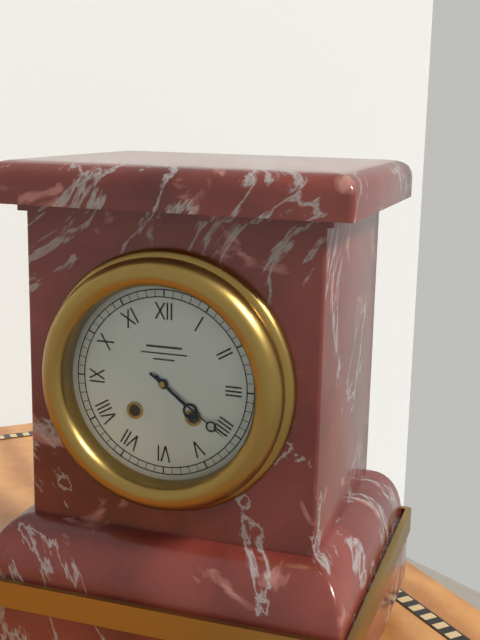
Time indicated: 4h21
